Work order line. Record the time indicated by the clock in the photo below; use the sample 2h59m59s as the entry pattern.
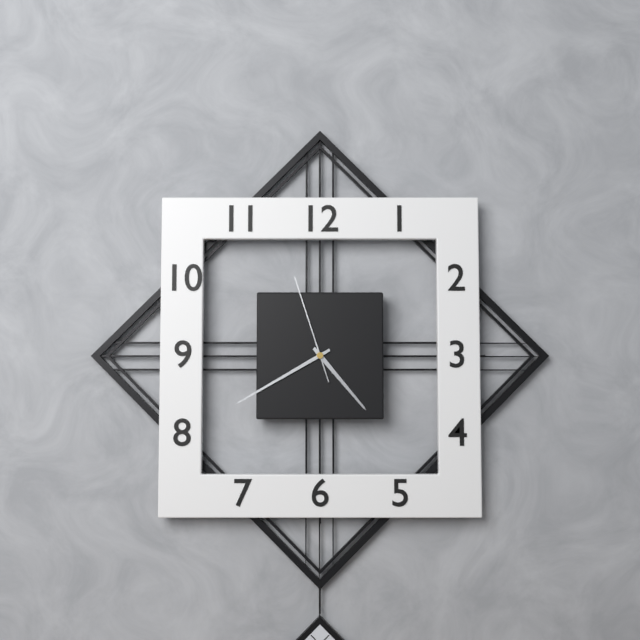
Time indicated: 4h40m57s
